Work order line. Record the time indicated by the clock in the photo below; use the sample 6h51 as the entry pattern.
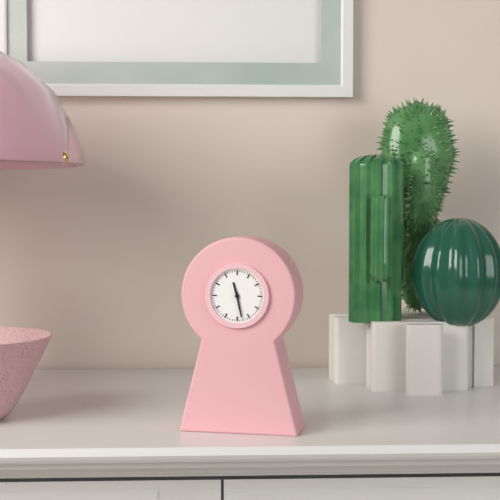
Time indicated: 11h28
